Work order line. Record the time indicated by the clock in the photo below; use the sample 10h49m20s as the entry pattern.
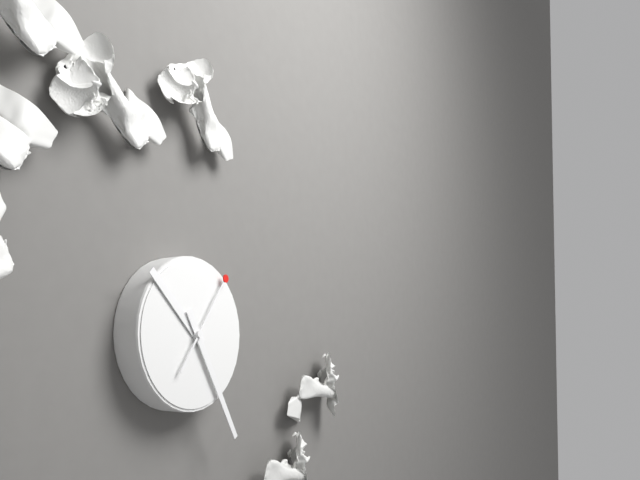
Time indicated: 10h25m06s
